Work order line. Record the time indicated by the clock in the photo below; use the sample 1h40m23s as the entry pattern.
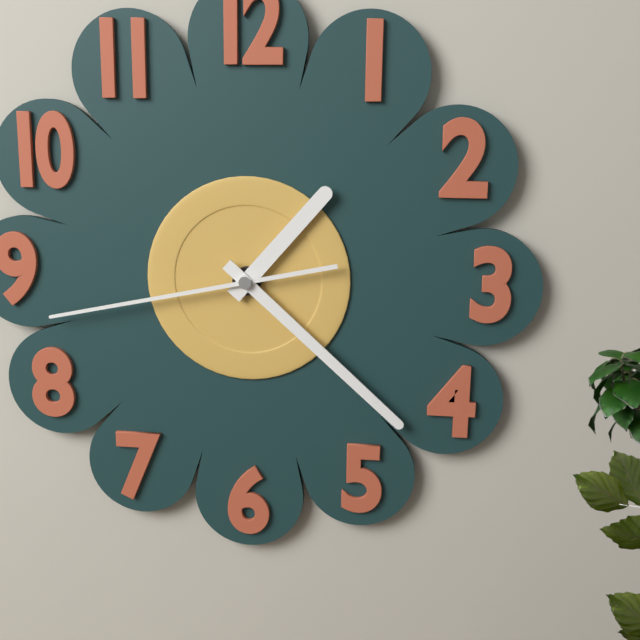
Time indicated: 1h22m43s
